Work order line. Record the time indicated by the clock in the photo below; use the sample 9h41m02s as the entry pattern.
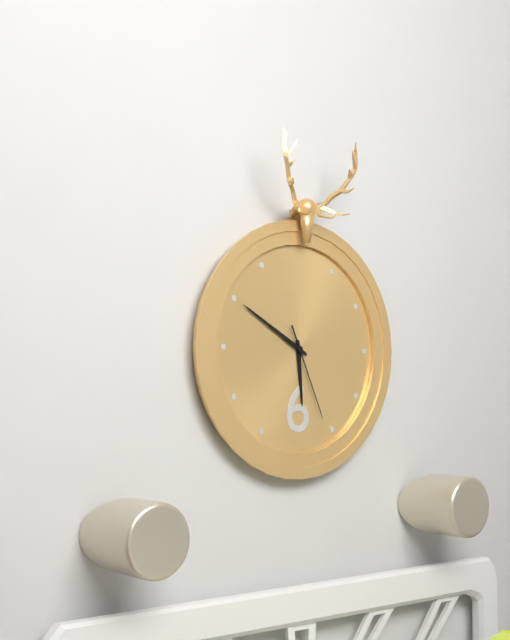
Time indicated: 5h50m26s
